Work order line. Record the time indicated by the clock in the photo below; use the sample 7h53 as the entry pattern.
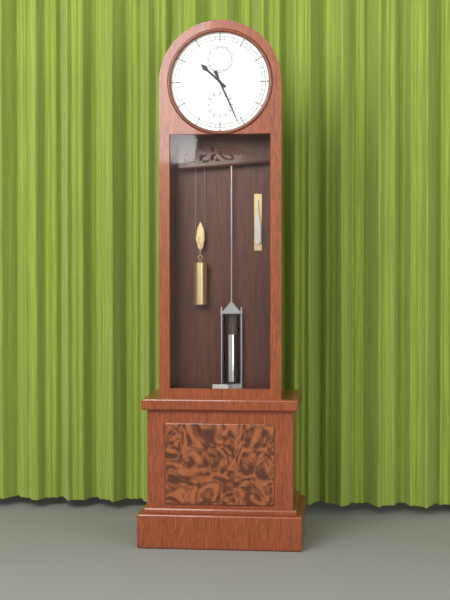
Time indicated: 10h26
